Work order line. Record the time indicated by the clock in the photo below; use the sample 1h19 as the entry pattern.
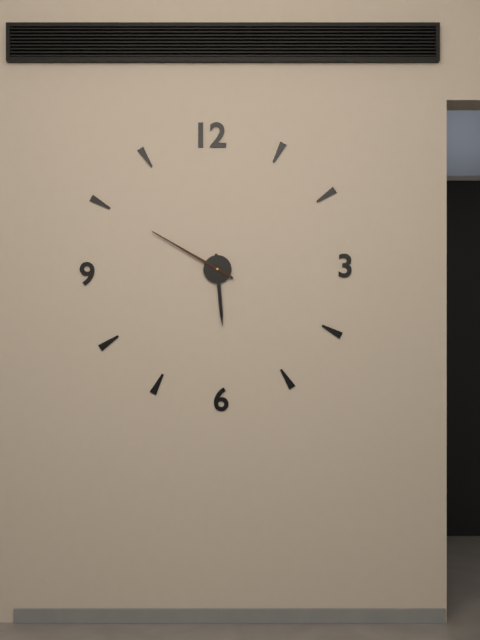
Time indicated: 5h50
